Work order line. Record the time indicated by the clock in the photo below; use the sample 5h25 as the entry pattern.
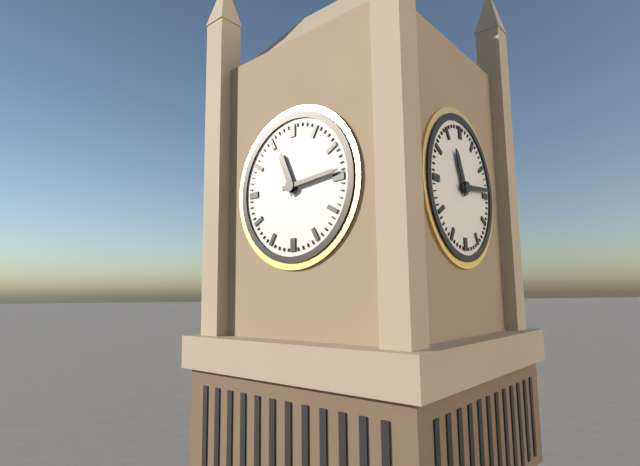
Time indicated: 11h14
